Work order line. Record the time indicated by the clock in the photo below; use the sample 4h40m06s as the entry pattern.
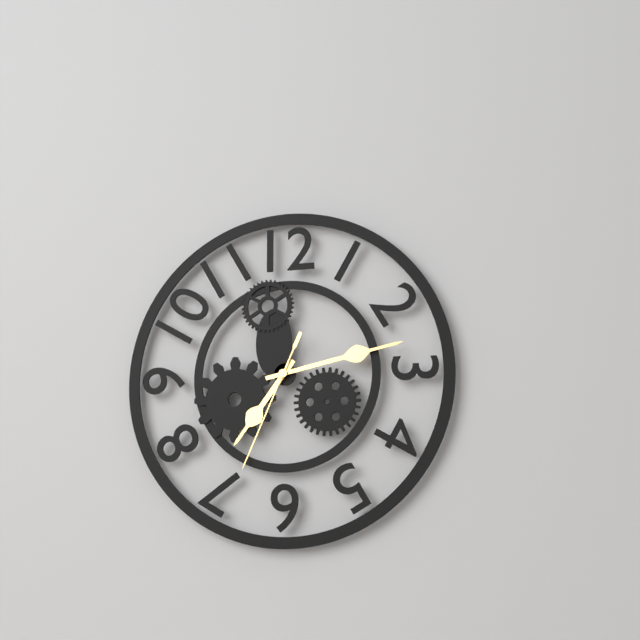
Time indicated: 7h13m34s
